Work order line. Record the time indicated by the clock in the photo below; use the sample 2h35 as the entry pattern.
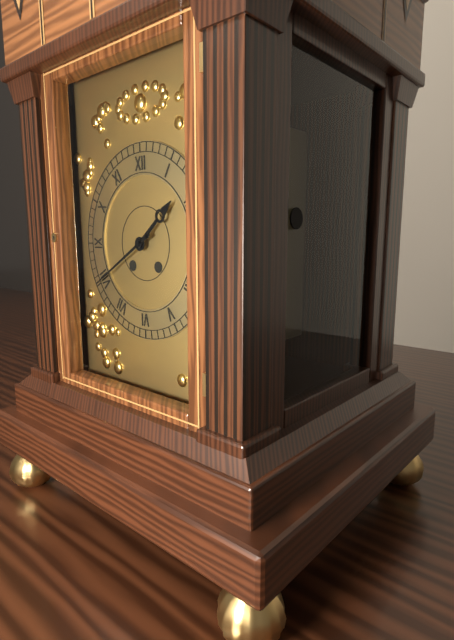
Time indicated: 1h40
